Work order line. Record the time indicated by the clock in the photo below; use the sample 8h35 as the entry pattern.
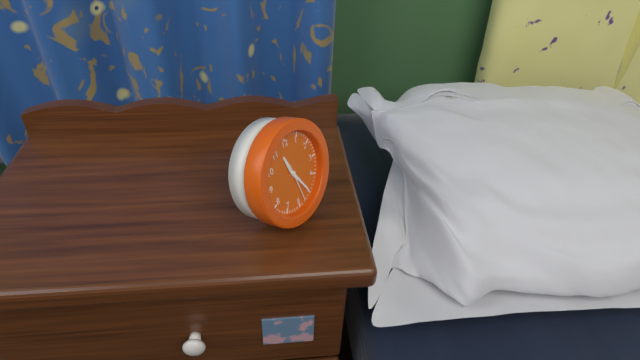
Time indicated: 11h25
